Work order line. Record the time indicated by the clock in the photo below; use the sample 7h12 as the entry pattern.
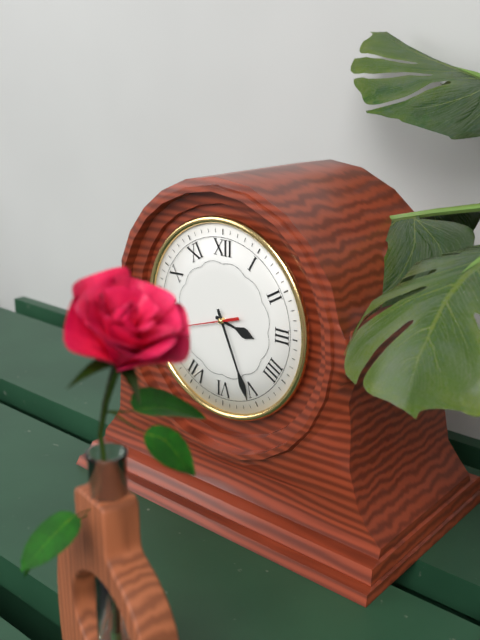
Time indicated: 3h26
